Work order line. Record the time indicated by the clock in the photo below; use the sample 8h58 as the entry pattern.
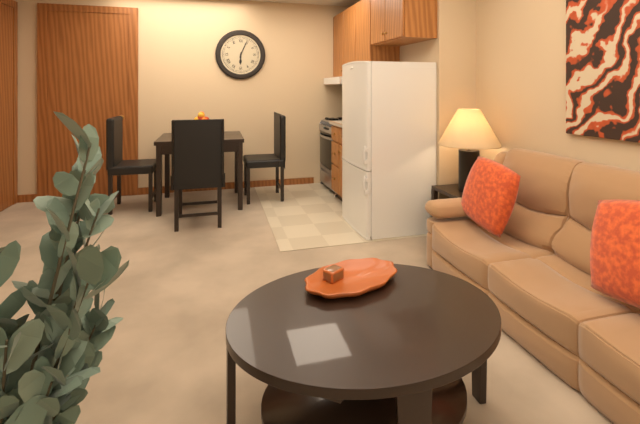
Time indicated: 6h04
